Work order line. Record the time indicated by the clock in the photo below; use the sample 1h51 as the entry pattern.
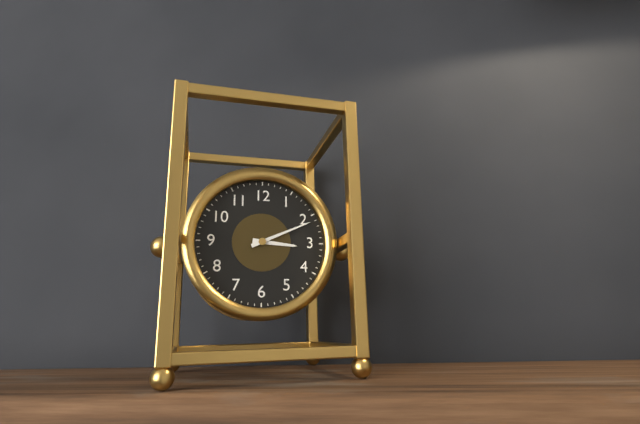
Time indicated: 3h11
